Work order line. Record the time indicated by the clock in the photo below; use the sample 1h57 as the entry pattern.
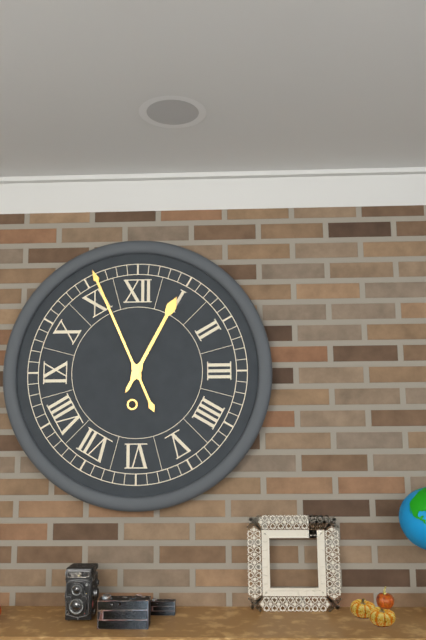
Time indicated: 12h56
